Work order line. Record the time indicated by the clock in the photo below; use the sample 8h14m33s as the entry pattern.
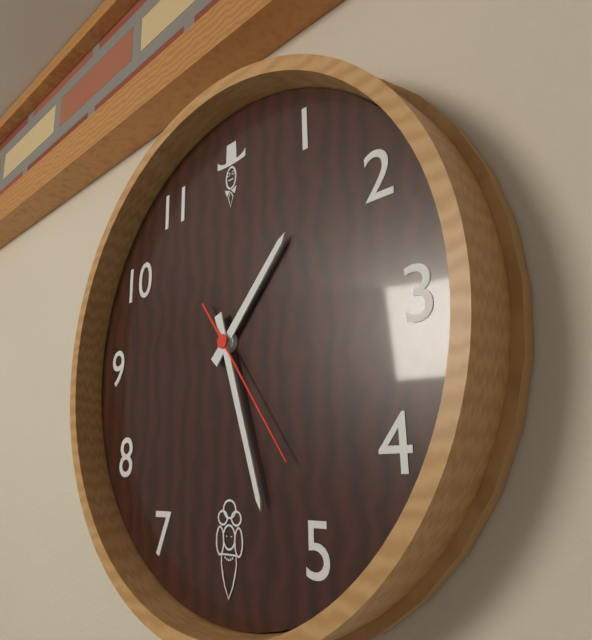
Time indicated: 1h27m24s
